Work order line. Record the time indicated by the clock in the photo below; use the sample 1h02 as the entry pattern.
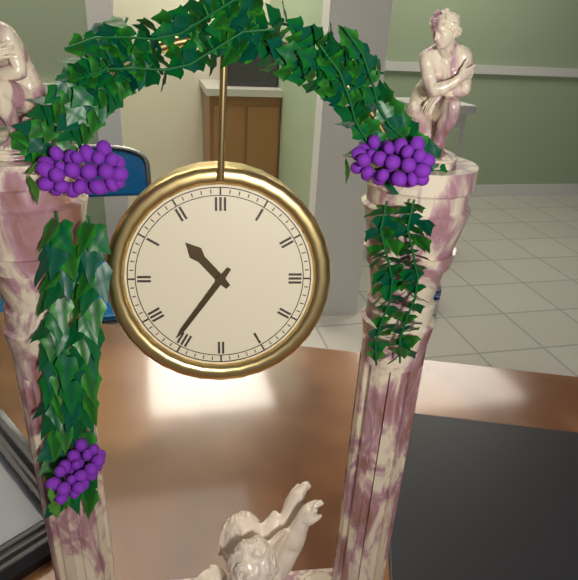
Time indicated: 10h36
